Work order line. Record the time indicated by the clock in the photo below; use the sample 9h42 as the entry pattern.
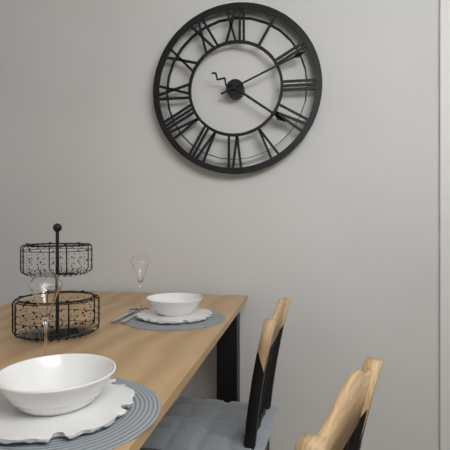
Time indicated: 4h11
